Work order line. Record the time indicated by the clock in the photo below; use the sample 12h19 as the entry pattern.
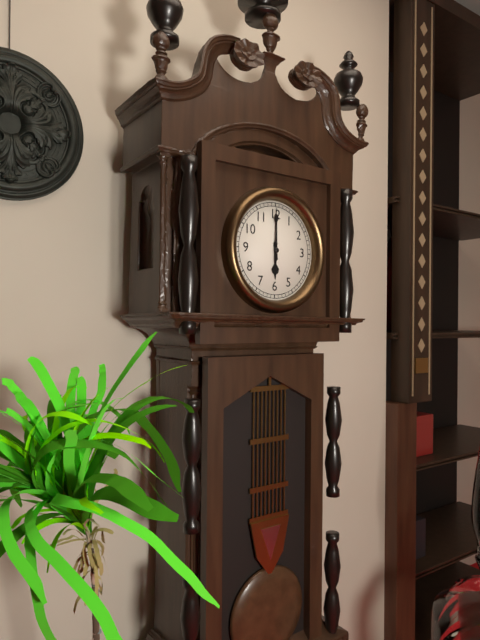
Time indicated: 6h00
